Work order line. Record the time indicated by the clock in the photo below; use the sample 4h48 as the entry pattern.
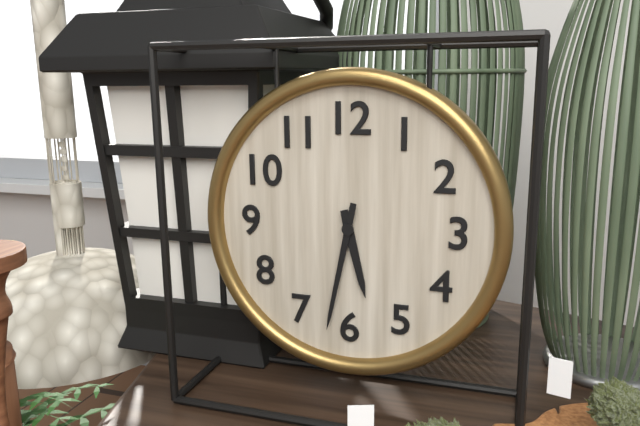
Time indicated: 5h32
